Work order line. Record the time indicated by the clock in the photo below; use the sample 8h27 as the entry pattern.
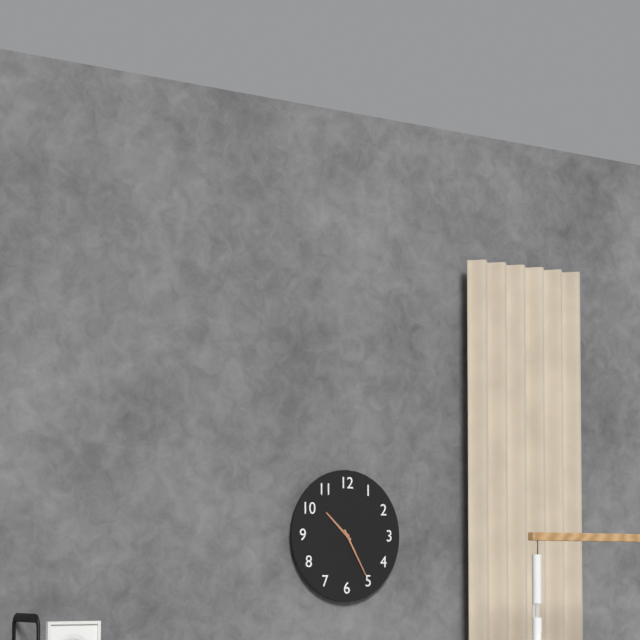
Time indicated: 10h25
